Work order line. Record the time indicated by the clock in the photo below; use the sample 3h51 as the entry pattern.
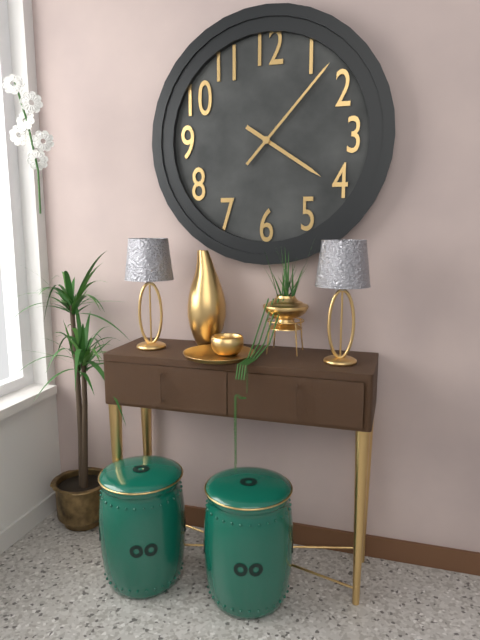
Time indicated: 4h07
